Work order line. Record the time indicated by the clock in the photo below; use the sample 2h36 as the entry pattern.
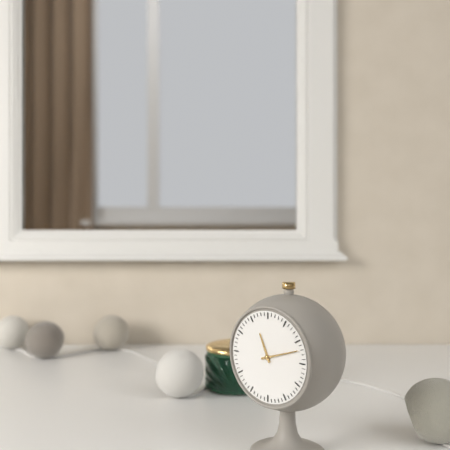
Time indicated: 11h12
